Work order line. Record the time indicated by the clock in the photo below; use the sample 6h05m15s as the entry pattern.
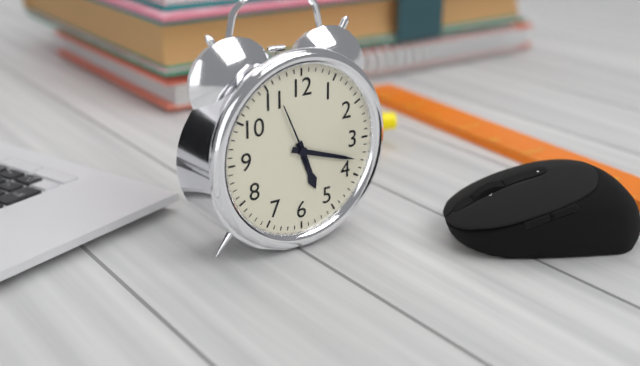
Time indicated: 5h18m56s
